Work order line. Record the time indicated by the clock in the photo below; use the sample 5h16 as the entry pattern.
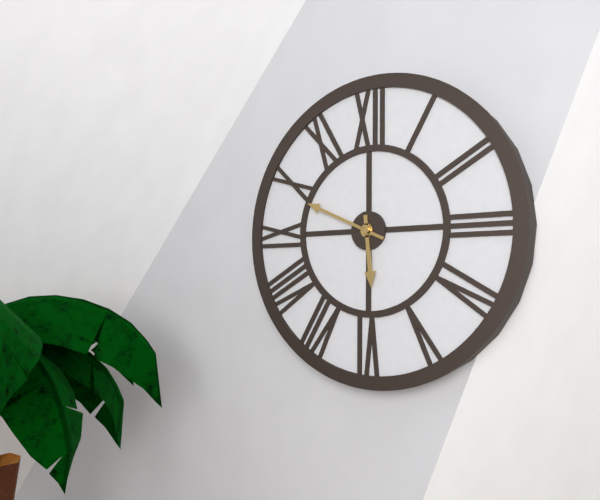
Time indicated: 5h49
